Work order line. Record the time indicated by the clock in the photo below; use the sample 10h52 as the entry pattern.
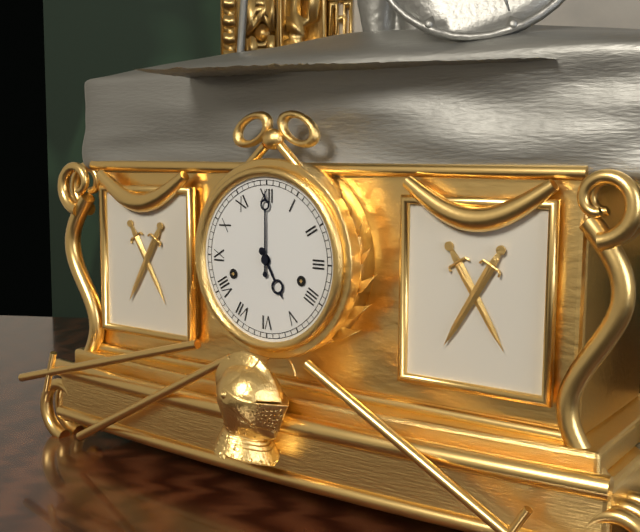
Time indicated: 5h00
